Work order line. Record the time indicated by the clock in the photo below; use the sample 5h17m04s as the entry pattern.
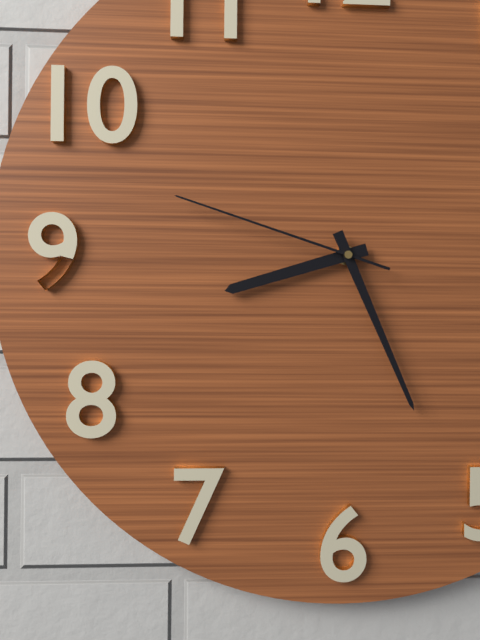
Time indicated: 8h26m48s
